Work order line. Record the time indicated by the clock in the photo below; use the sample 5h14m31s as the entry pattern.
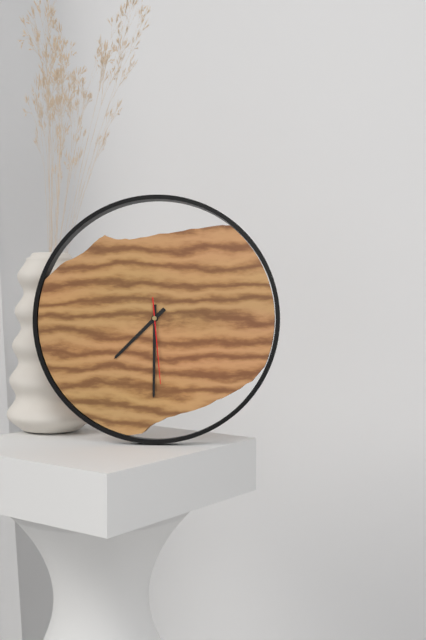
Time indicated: 7h30m29s
